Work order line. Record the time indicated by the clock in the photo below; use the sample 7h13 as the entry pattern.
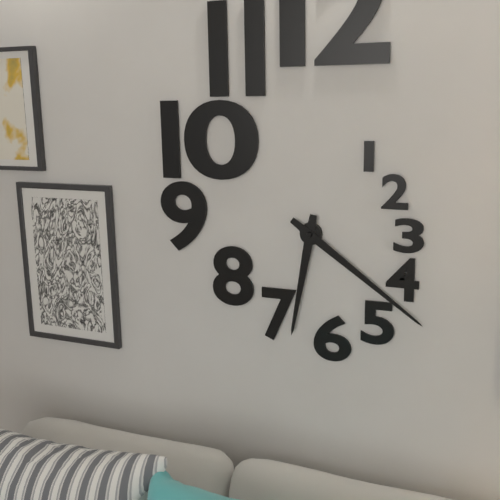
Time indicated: 6h21
